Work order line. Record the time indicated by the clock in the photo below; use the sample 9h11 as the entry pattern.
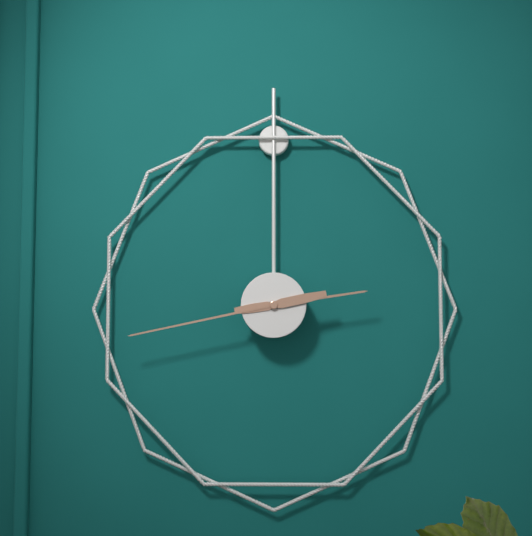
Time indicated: 2h43
